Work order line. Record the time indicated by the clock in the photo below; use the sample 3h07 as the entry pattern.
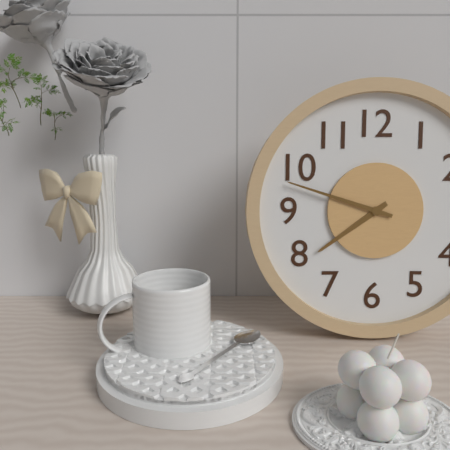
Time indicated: 7h48
